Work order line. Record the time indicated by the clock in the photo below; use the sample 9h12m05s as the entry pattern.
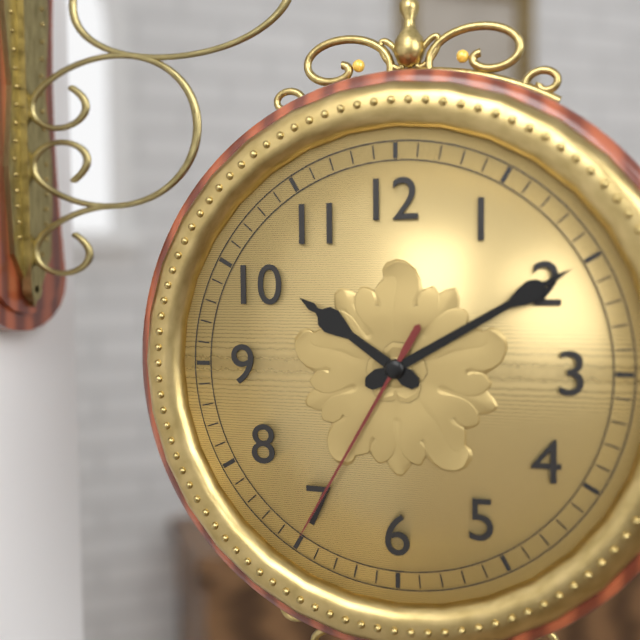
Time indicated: 10h10m35s
